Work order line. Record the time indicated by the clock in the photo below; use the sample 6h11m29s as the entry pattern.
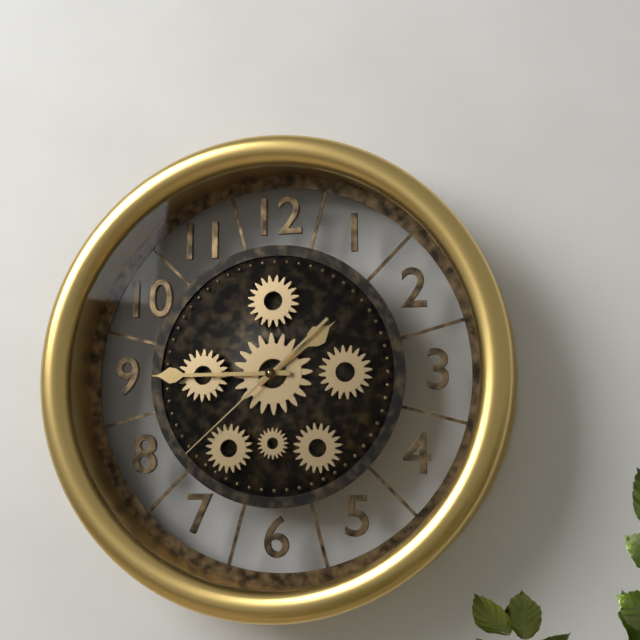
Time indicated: 1h45m38s
